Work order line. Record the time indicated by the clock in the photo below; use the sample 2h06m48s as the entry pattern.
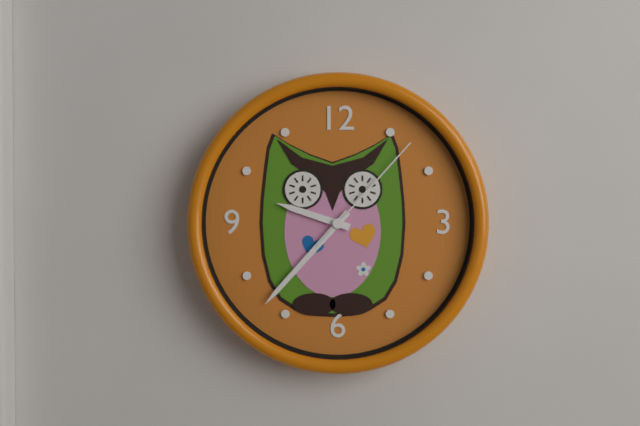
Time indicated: 9h37m07s
